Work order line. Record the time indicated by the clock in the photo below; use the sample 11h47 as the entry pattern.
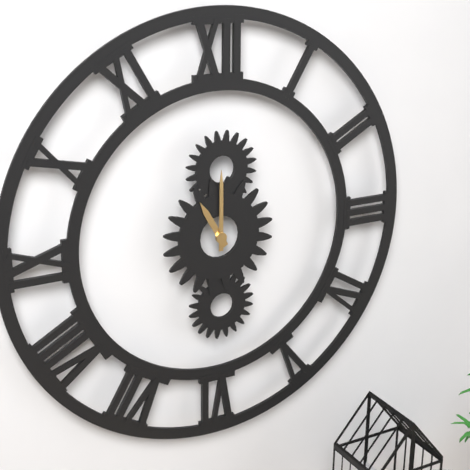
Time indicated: 11h00
